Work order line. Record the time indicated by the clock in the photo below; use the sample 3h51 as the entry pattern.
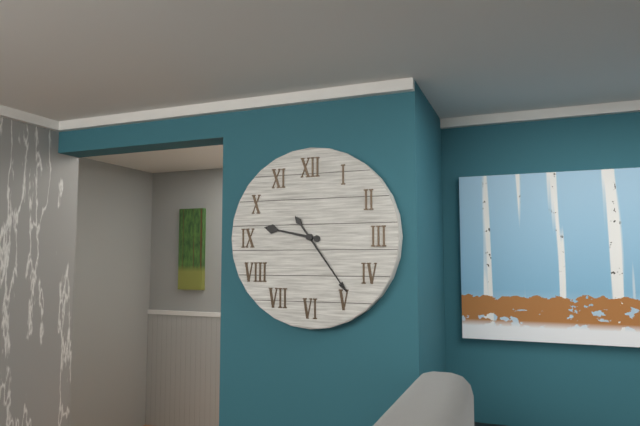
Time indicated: 9h24
